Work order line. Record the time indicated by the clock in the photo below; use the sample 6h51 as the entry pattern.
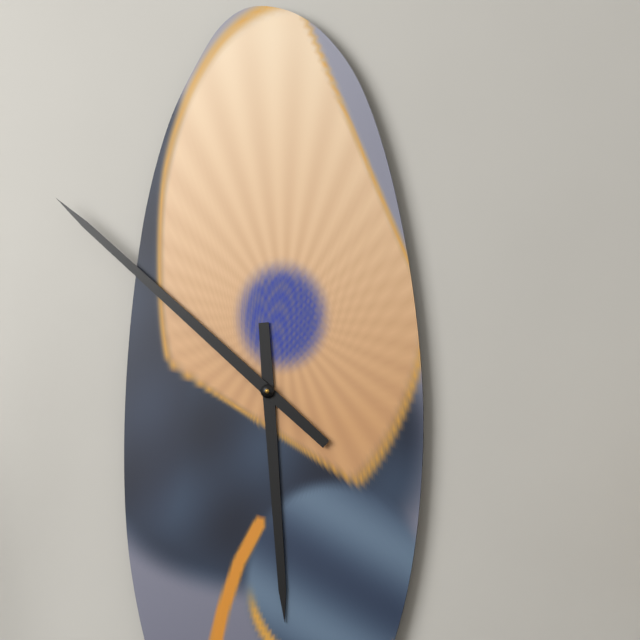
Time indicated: 5h52
